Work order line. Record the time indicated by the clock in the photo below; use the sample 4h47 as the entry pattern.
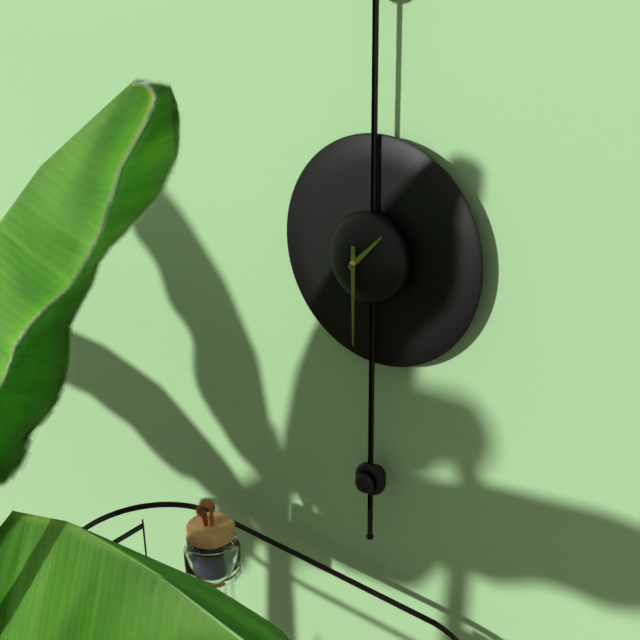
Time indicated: 1h30
